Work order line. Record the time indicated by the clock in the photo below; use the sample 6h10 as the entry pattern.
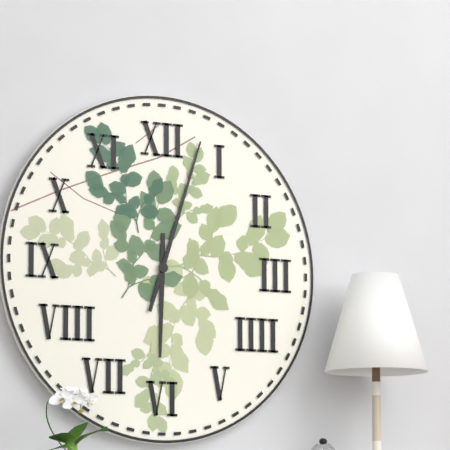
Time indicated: 6h03
